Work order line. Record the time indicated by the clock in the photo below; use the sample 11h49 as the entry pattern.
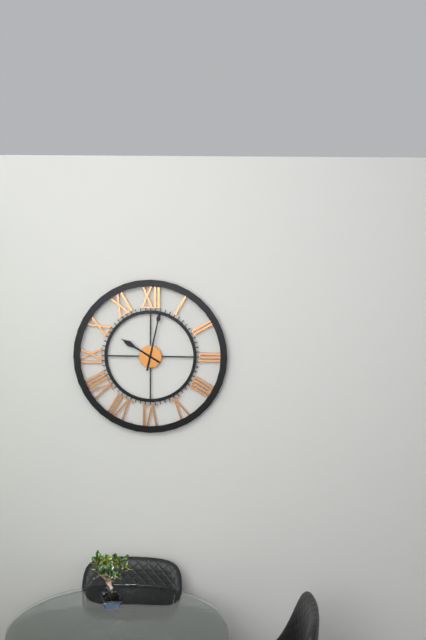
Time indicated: 10h02
